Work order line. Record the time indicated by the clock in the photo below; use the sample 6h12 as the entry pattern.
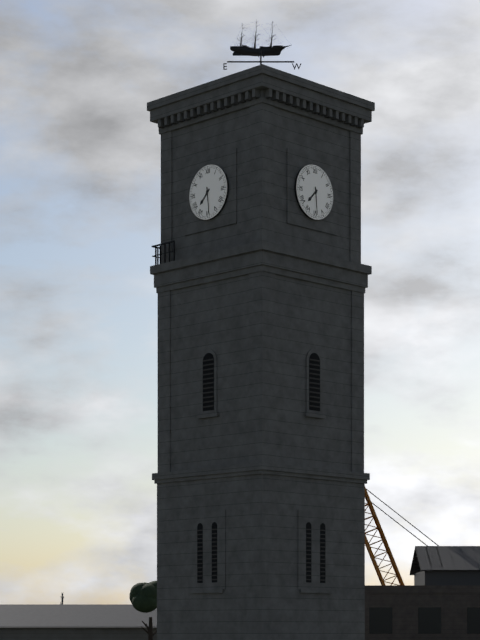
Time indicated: 7h29
